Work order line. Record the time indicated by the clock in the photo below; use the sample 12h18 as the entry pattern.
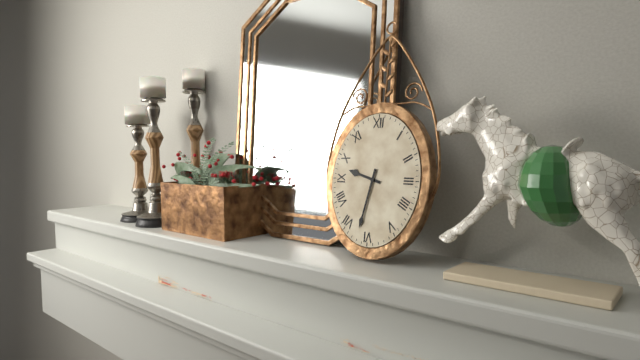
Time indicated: 9h32
